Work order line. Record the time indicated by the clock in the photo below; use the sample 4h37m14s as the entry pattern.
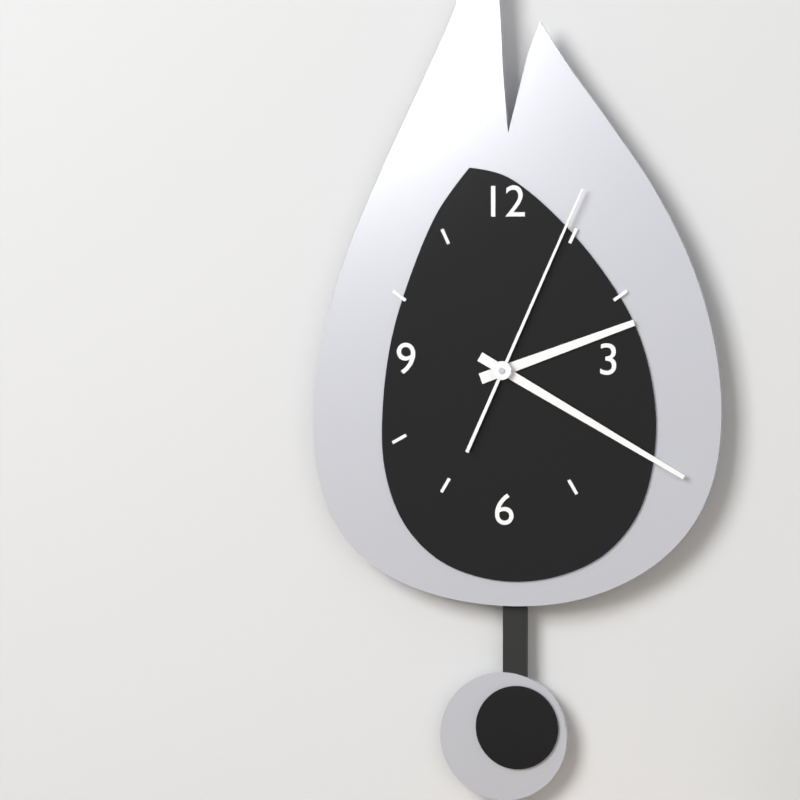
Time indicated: 2h20m04s
